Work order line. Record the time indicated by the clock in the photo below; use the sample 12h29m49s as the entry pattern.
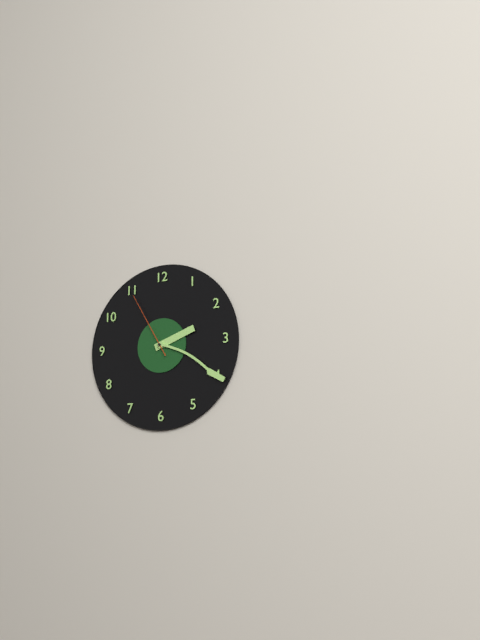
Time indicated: 2h20m55s
